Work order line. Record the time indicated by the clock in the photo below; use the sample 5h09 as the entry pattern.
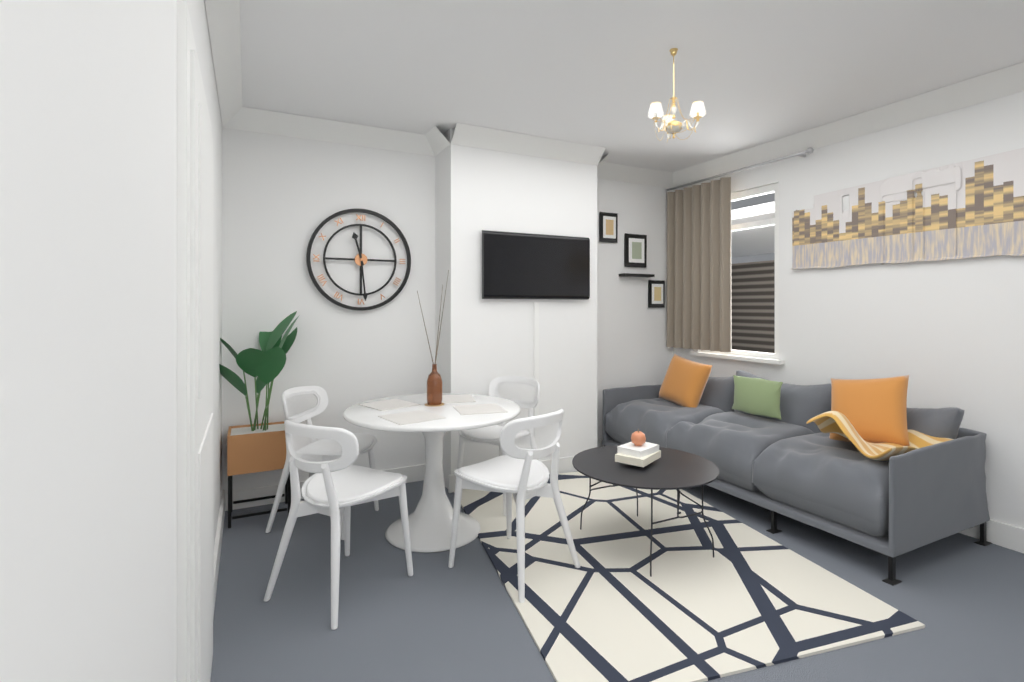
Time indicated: 11h29
